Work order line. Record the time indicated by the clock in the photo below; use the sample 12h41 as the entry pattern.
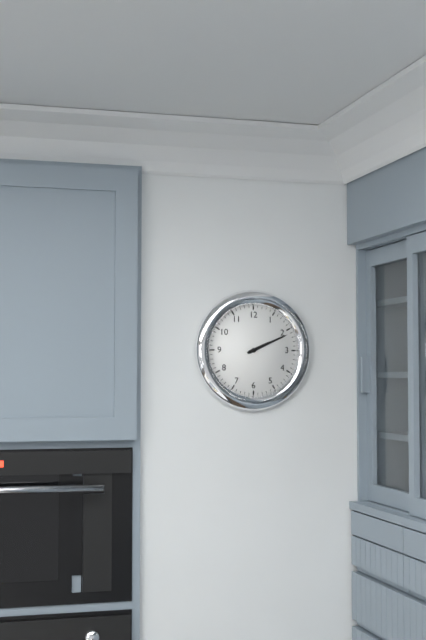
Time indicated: 2h11
